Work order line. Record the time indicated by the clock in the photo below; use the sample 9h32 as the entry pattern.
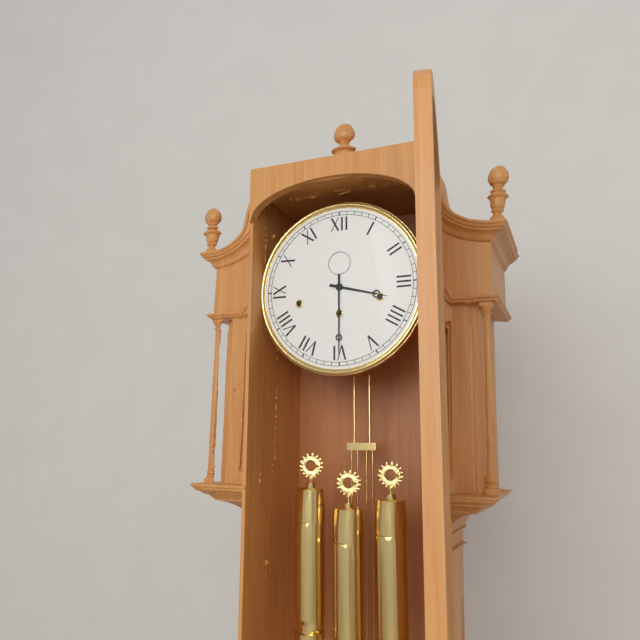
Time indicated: 3h30
